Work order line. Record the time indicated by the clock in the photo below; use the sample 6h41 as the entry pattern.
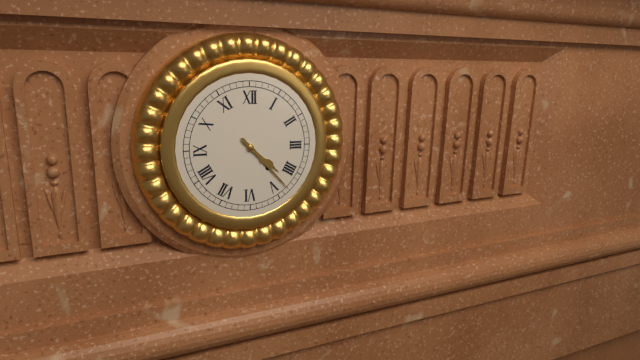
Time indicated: 4h23
